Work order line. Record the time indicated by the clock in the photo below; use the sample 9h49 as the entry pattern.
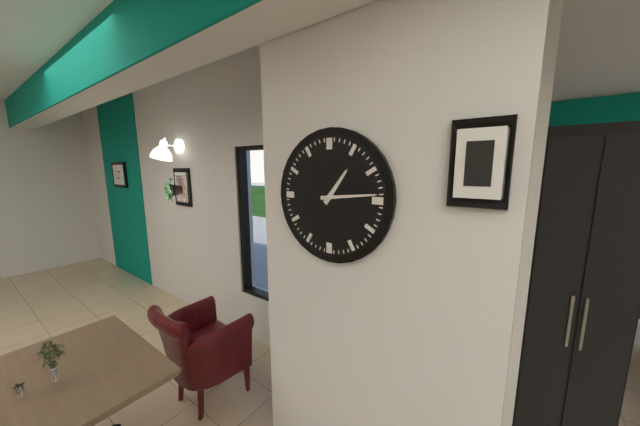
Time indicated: 1h14
